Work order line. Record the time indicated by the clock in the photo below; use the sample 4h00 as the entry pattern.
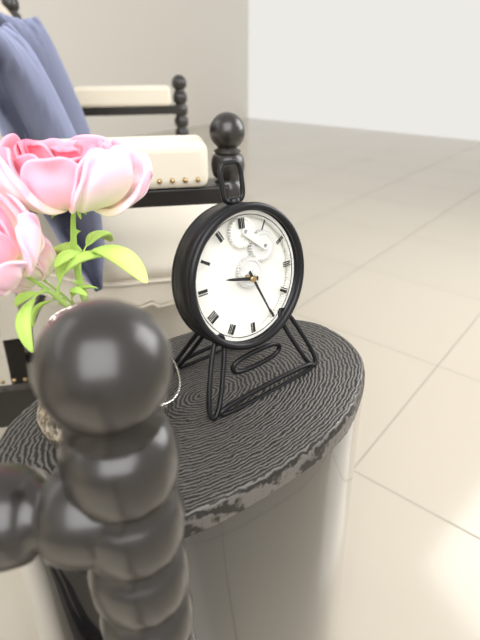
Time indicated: 9h26
